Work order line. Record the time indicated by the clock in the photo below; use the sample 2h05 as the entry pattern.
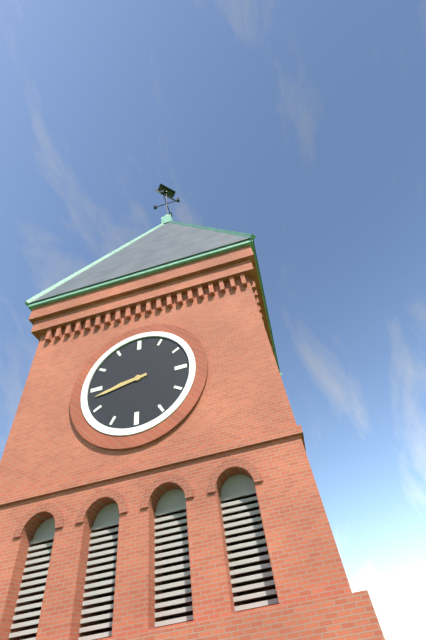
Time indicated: 8h43
